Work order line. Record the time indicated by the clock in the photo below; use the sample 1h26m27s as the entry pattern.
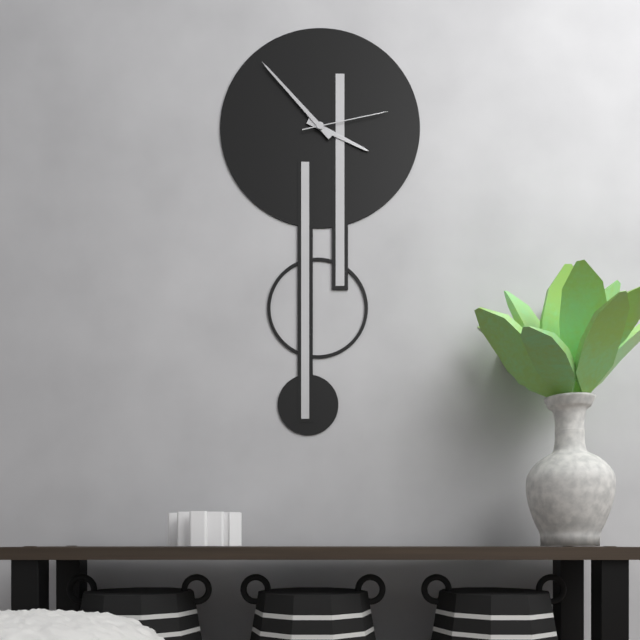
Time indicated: 3h53m13s
